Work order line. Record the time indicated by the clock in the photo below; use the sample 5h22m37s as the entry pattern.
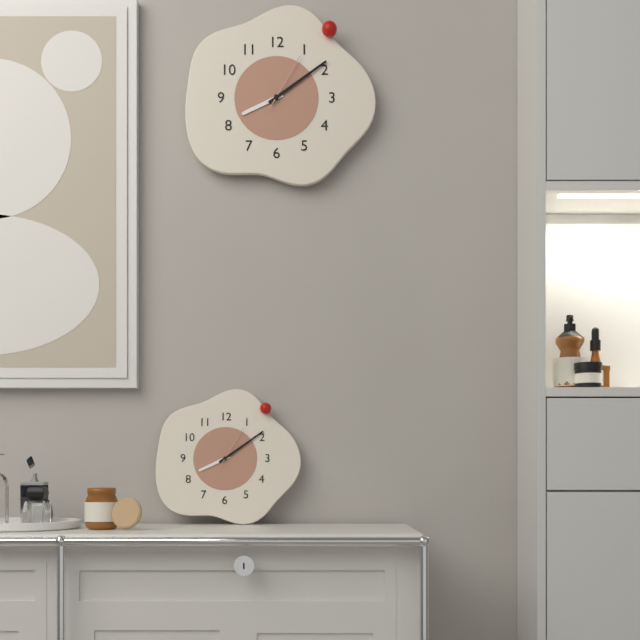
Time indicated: 8h09m05s
